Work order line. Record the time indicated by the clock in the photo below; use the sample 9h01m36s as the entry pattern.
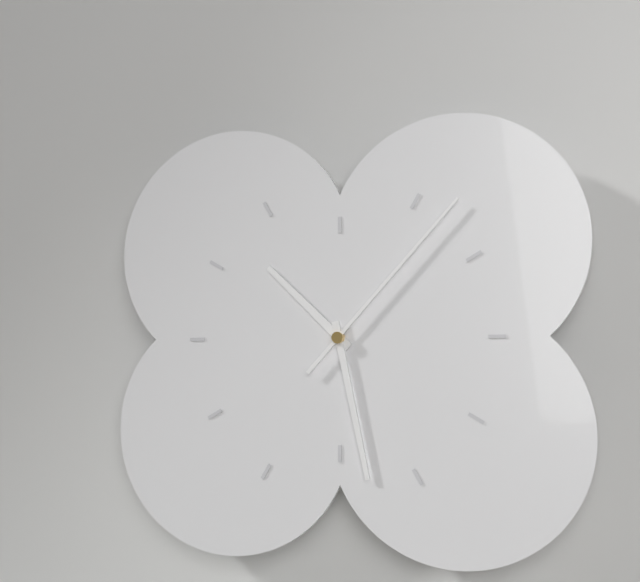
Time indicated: 10h28m07s
